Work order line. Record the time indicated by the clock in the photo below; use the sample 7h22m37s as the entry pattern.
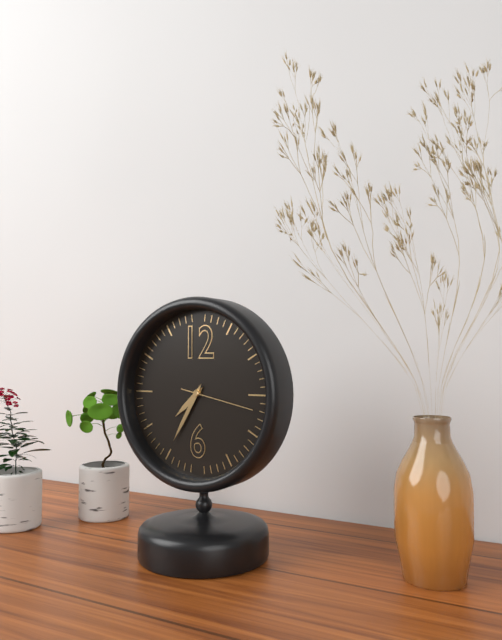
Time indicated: 7h35m17s
